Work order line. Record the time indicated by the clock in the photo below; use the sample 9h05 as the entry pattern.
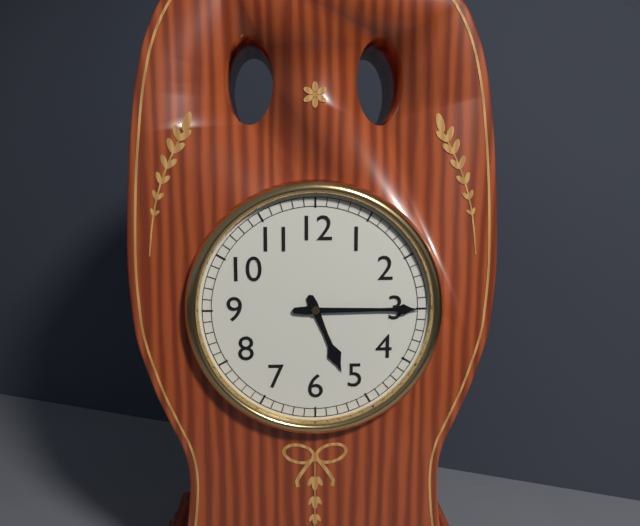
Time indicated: 5h15
